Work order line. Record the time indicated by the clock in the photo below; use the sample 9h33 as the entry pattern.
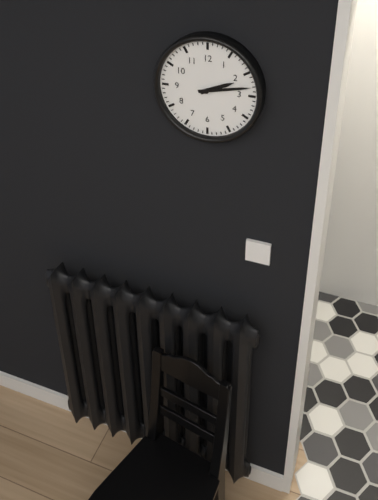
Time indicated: 2h13
